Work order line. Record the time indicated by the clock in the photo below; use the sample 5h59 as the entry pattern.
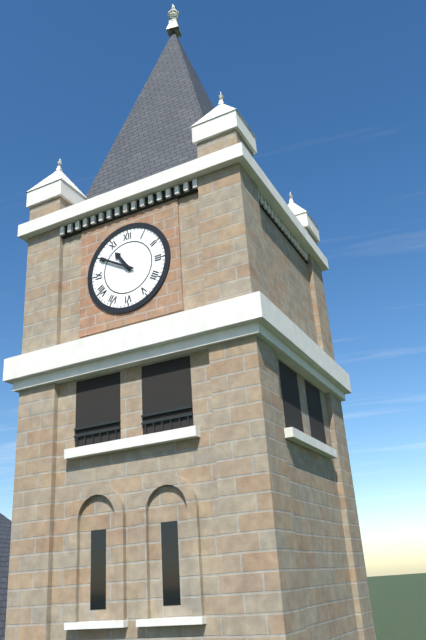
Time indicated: 10h50
